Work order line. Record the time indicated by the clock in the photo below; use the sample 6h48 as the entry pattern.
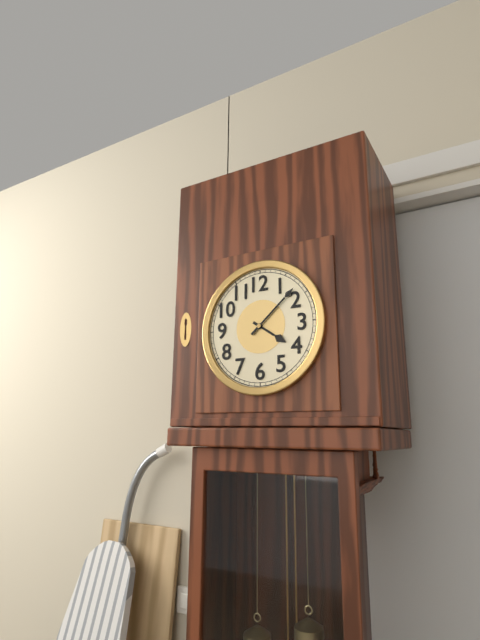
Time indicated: 4h08
